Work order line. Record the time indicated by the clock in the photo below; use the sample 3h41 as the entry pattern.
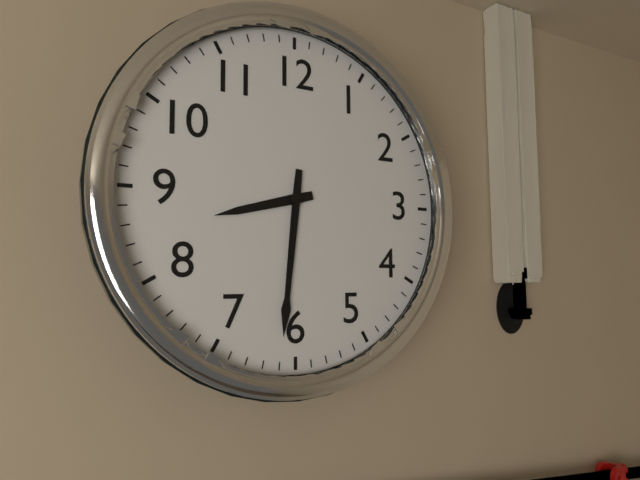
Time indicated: 8h31
